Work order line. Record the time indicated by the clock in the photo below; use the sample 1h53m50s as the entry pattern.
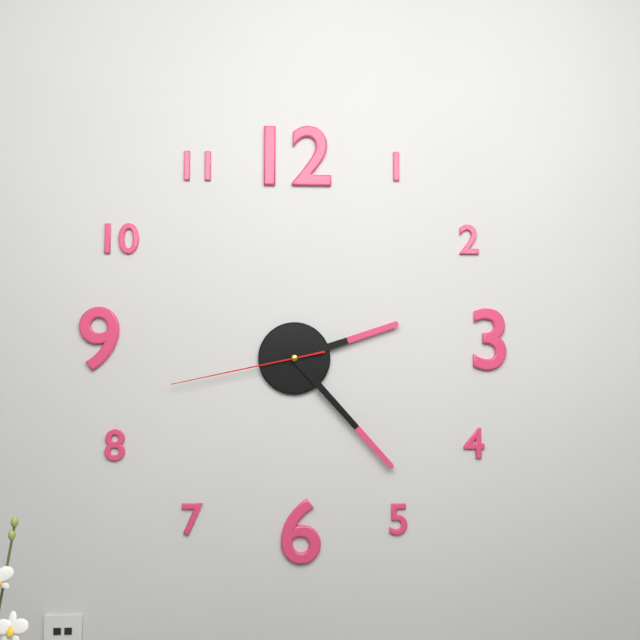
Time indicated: 2h23m43s
